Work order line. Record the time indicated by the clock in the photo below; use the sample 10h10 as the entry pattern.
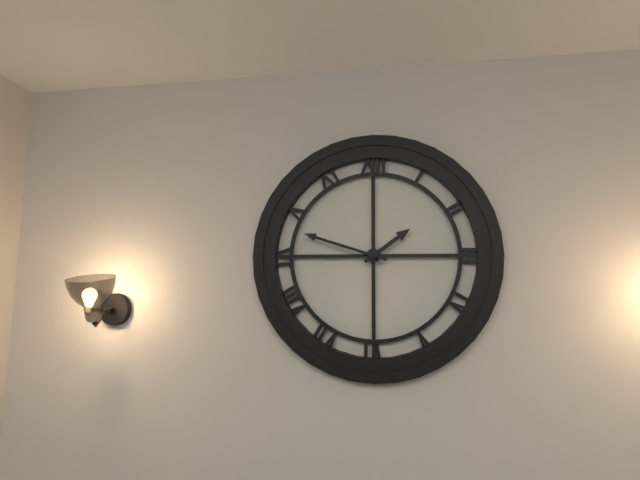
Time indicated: 1h48
